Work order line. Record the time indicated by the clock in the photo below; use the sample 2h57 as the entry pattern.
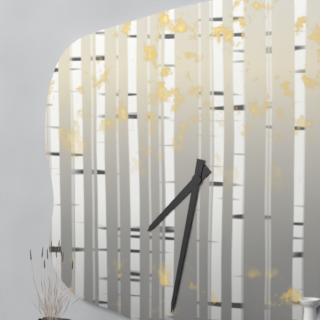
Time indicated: 7h32
